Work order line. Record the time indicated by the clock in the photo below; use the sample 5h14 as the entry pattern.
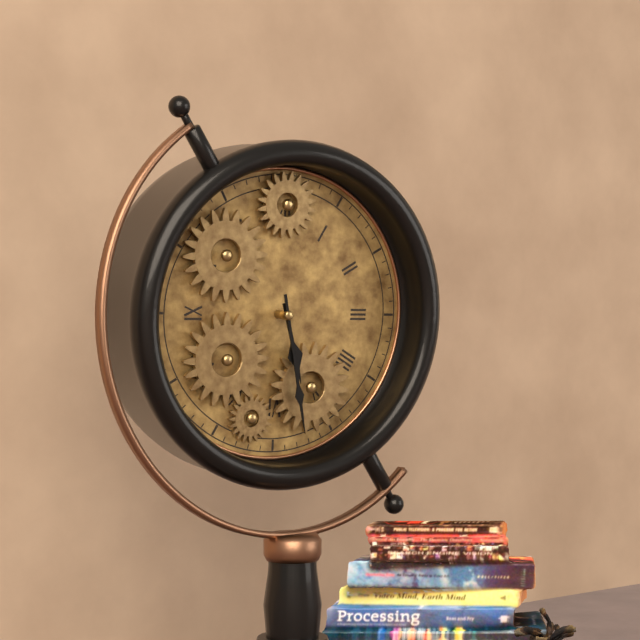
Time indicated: 5h28
